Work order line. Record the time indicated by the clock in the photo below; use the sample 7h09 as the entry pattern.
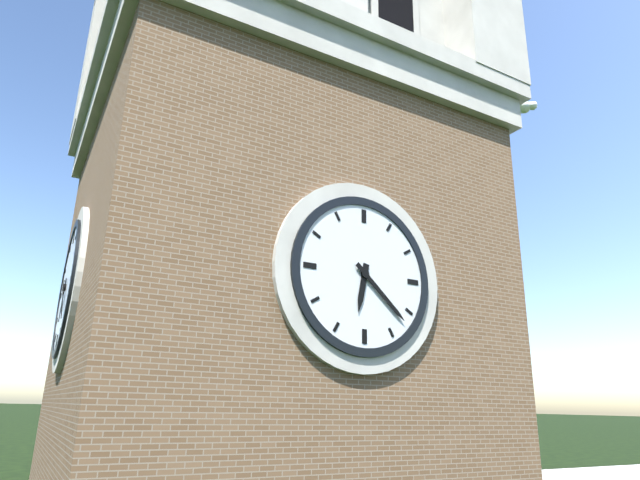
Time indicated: 6h22
